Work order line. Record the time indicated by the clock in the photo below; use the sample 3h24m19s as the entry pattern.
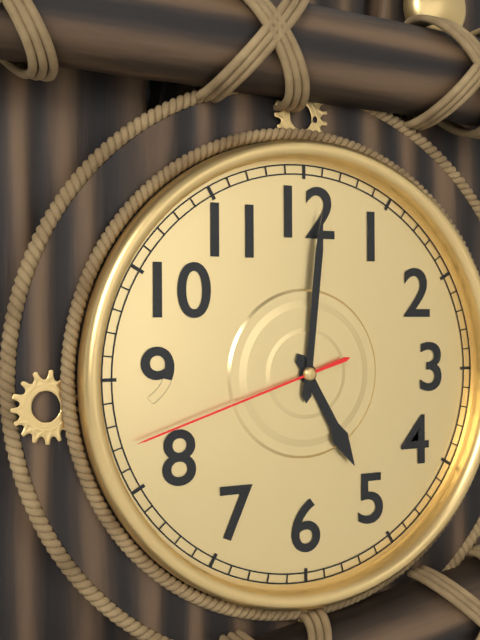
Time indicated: 5h01m42s
